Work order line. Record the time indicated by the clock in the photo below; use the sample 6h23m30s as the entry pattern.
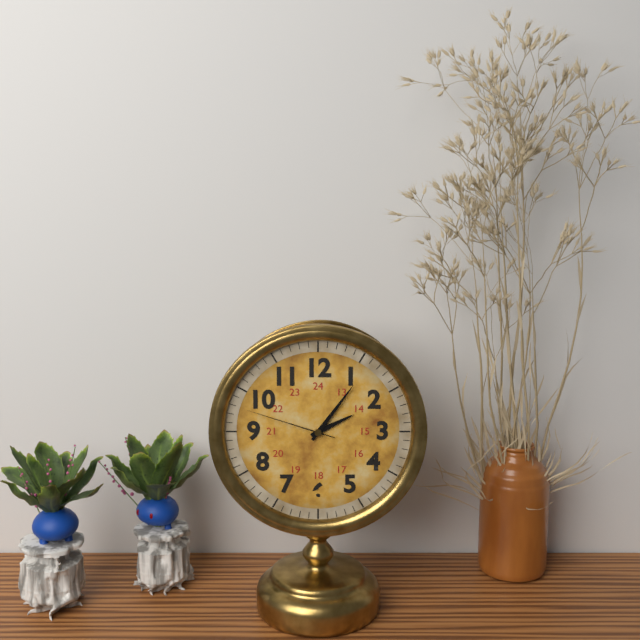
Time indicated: 2h06m48s
